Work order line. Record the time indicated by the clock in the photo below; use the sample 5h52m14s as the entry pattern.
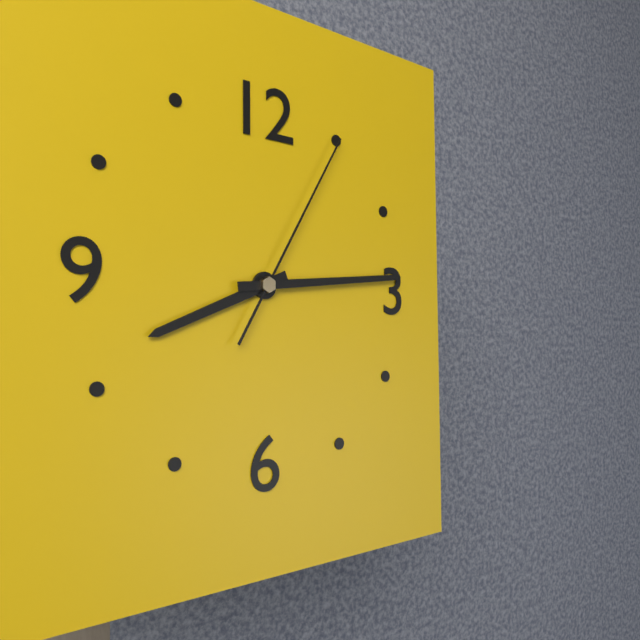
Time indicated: 8h14m05s
